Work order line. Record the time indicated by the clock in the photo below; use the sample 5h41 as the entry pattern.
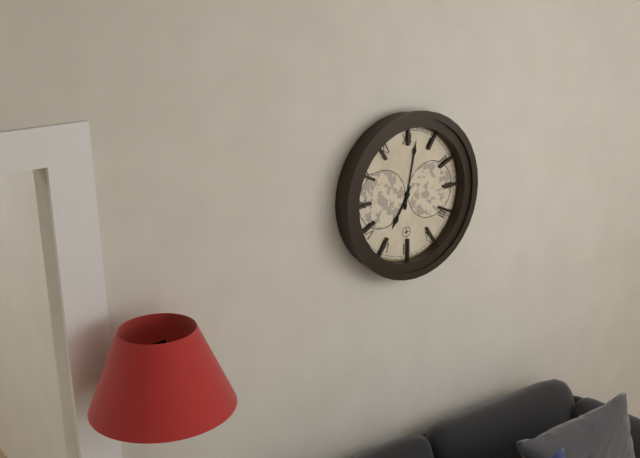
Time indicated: 7h02
